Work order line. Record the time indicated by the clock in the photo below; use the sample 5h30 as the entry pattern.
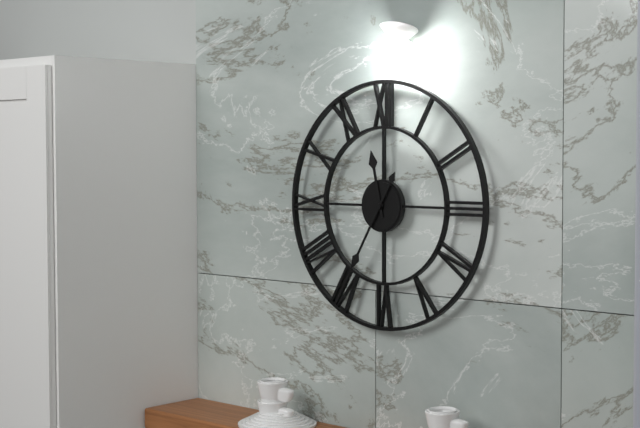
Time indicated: 11h35
